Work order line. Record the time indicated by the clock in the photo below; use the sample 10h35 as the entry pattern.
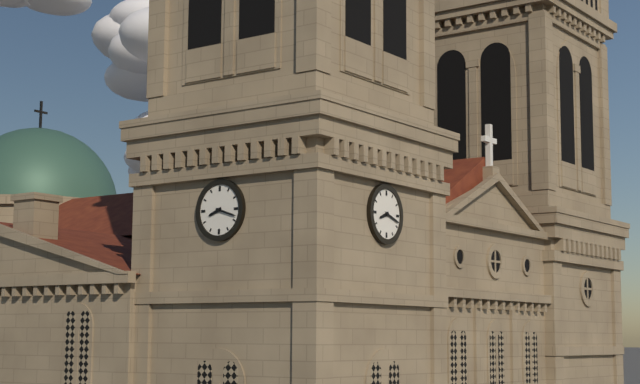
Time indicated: 8h18
